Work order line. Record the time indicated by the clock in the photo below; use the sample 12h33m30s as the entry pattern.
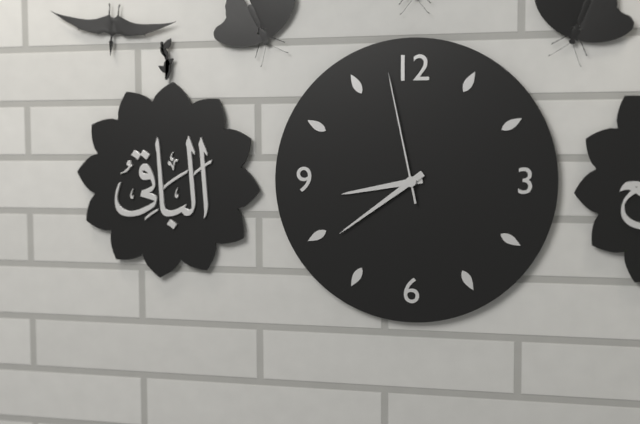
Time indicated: 8h39m58s
